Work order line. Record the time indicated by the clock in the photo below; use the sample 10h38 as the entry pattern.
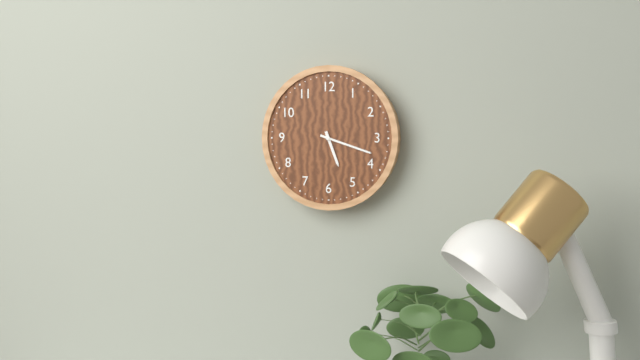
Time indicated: 5h18
